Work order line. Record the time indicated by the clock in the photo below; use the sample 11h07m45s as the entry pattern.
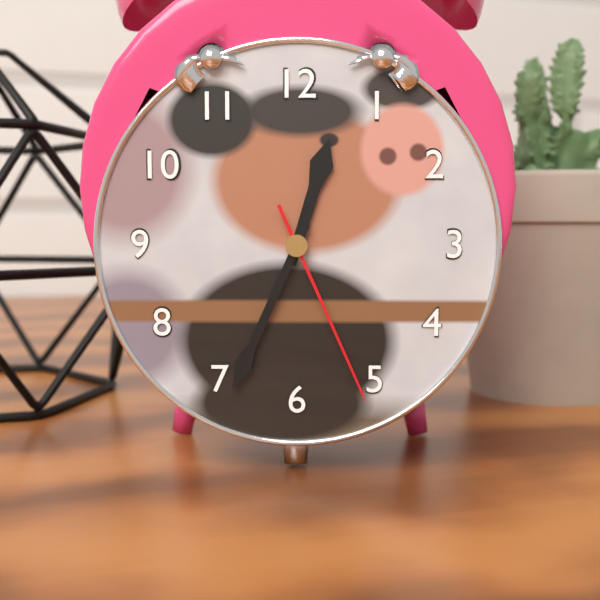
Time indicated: 12h34m26s
